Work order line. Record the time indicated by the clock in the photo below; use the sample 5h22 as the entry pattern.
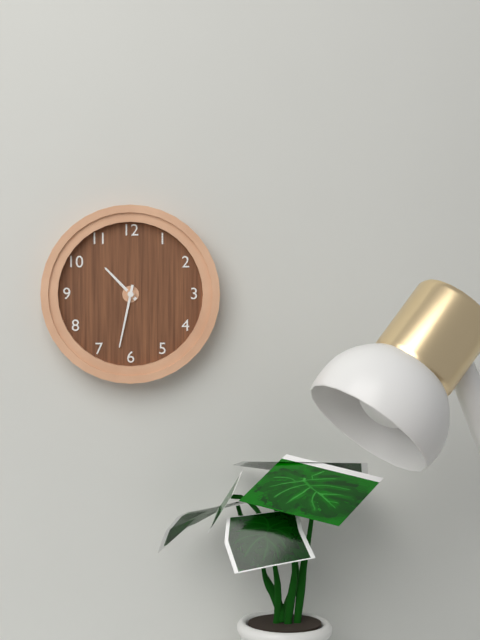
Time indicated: 10h32
